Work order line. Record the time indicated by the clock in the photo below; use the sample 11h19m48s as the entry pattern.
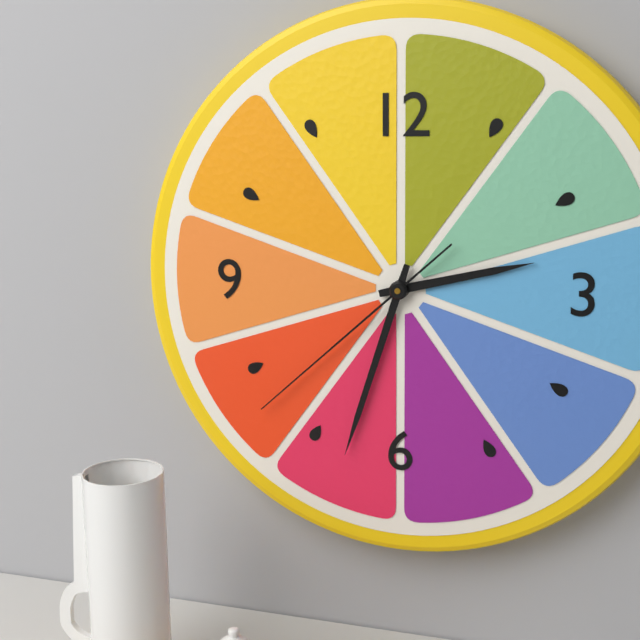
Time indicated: 2h33m38s
